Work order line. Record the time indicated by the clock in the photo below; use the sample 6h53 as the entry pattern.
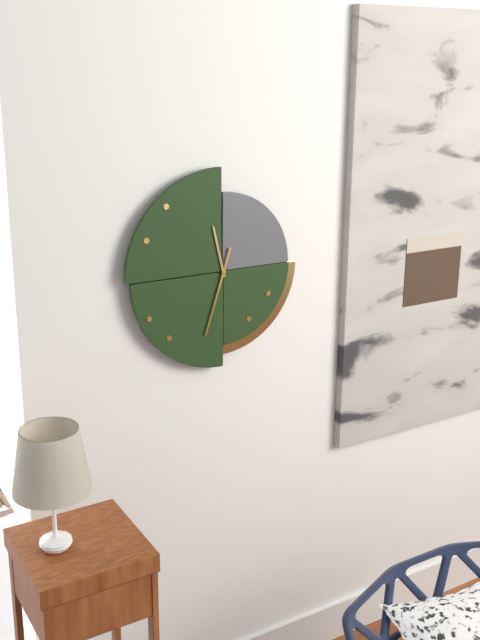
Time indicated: 11h33
